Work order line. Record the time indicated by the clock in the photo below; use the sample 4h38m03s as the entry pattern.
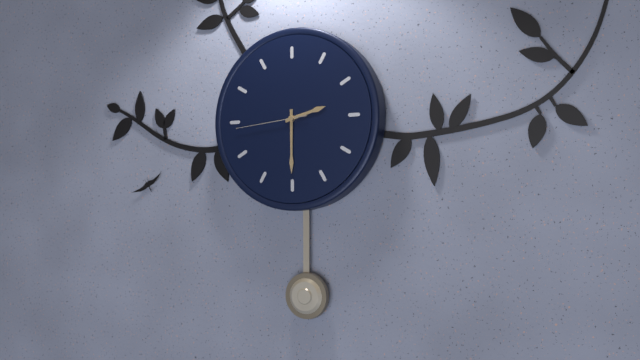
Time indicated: 2h30m44s
